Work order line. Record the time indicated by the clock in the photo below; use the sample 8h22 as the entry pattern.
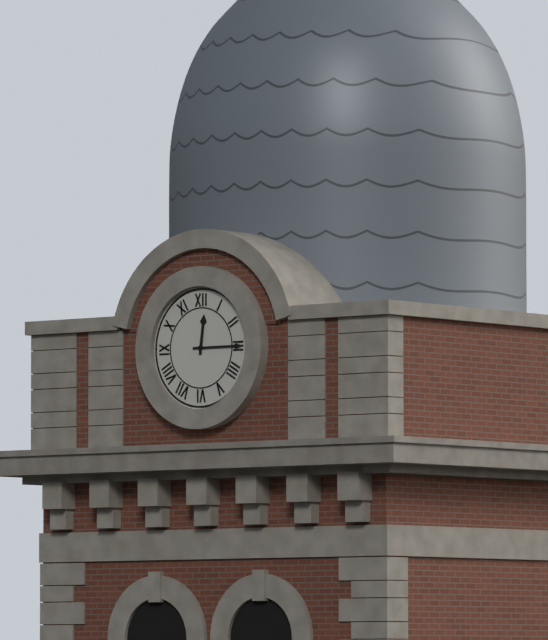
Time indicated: 12h15
